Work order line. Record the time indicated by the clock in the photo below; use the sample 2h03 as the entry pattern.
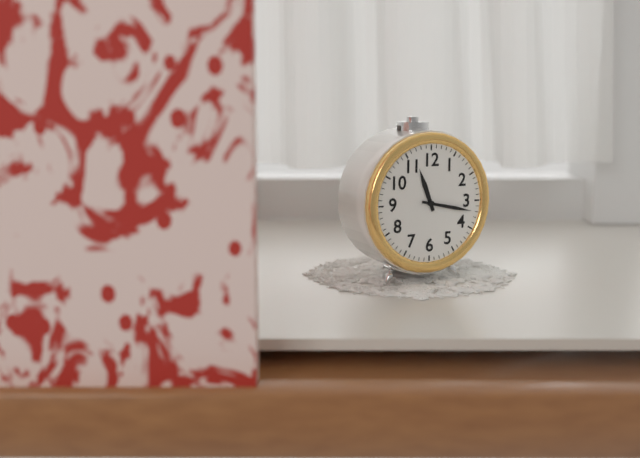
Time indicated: 11h17
